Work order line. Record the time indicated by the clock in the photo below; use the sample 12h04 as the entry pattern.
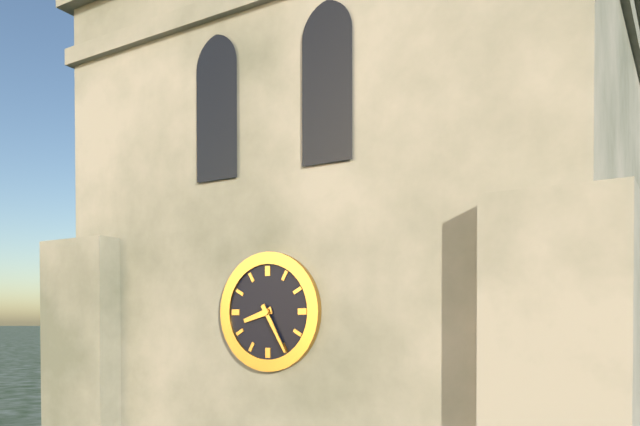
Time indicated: 8h25
